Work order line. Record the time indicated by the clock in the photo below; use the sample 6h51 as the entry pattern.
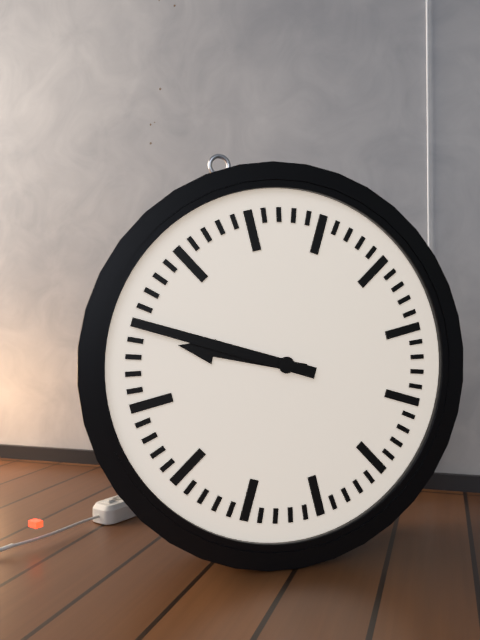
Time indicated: 9h50
